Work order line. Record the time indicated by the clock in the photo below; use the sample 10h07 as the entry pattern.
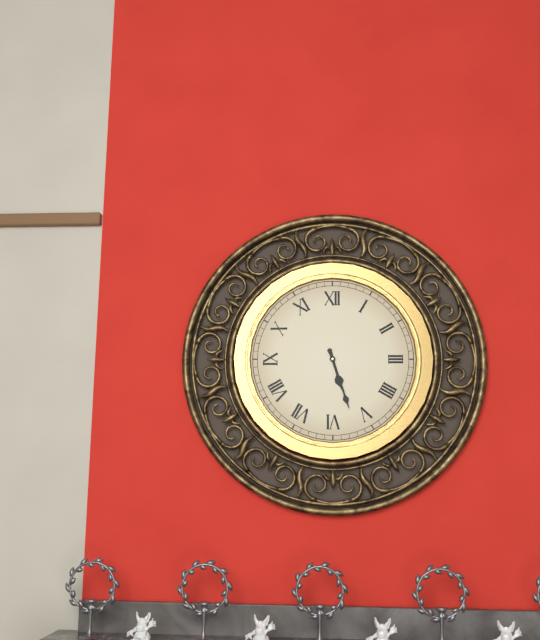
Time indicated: 5h27
